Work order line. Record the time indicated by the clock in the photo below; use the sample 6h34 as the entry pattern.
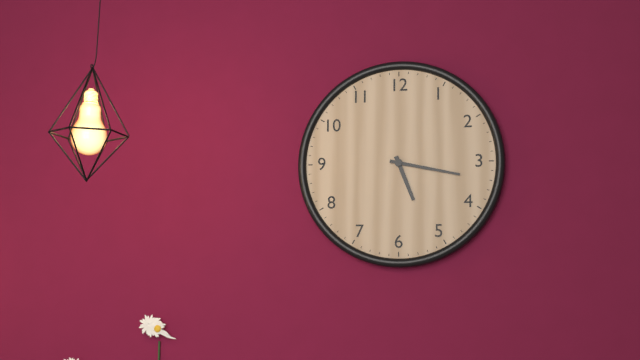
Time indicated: 5h17
